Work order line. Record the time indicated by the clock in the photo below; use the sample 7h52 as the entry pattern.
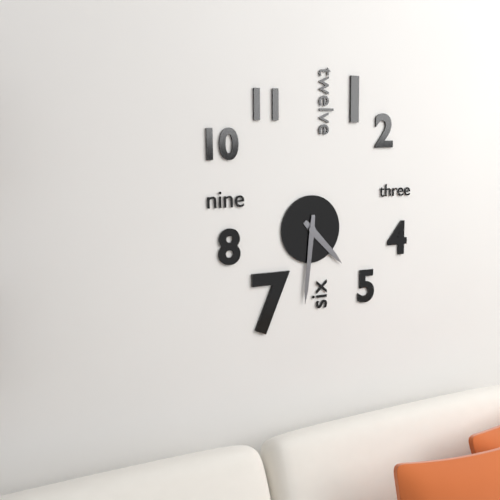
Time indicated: 4h31
